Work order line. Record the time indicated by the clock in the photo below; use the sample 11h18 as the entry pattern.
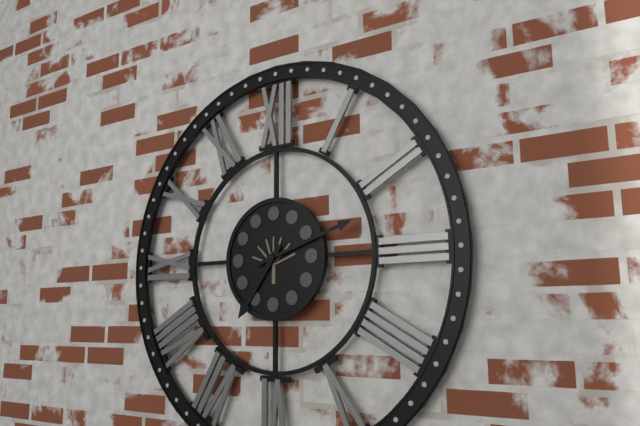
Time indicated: 7h12
